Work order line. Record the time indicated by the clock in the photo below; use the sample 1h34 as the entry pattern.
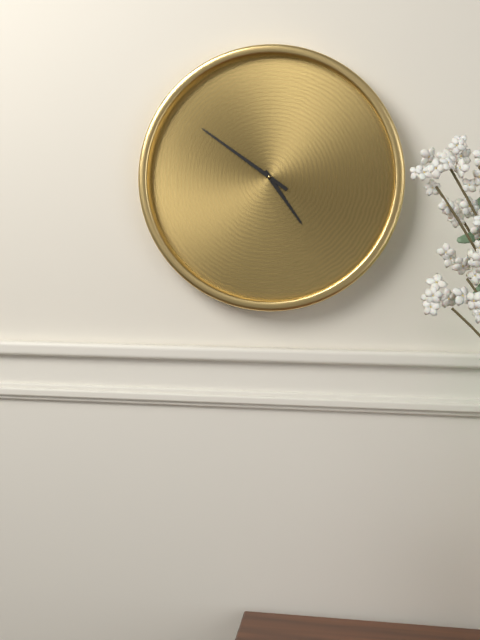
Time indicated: 4h51
